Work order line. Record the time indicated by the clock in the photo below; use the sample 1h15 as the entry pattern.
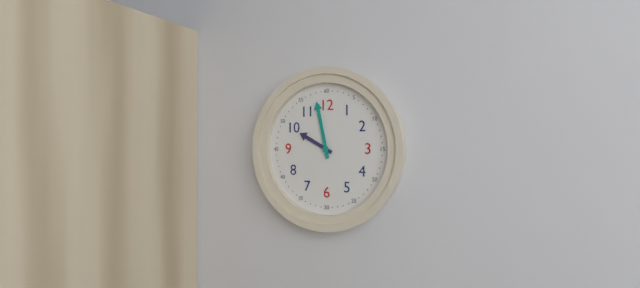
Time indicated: 9h58
